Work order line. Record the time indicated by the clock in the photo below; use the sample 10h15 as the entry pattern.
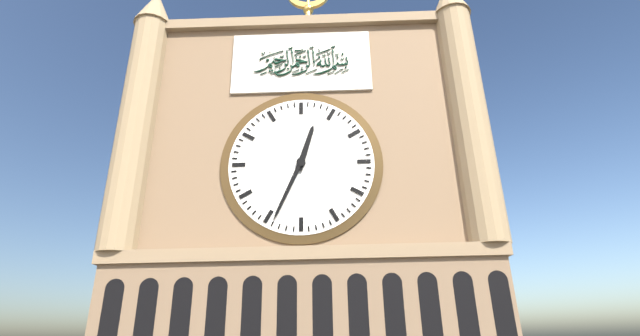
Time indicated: 12h34
